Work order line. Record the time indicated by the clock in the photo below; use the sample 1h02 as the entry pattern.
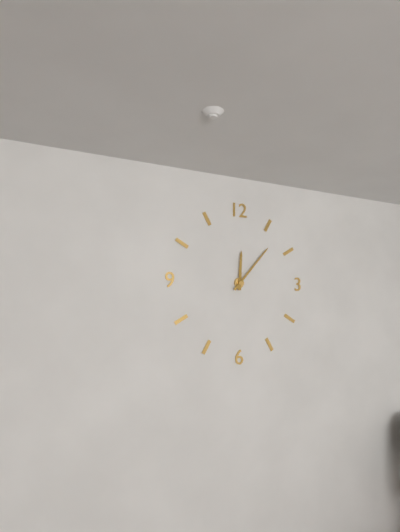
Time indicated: 12h07
